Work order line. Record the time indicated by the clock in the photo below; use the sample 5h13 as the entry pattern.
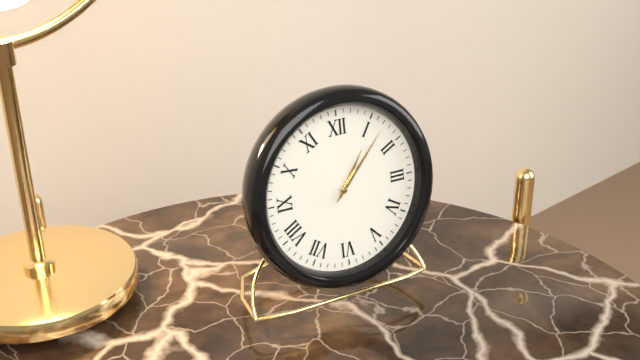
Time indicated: 1h07
